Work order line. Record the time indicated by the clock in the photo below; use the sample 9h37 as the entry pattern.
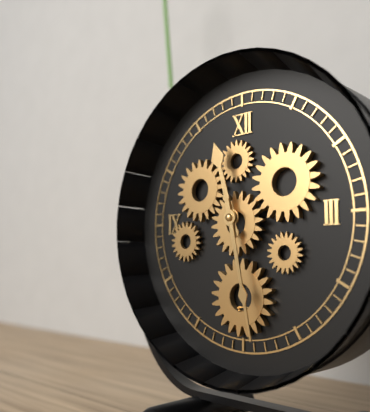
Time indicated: 11h28
